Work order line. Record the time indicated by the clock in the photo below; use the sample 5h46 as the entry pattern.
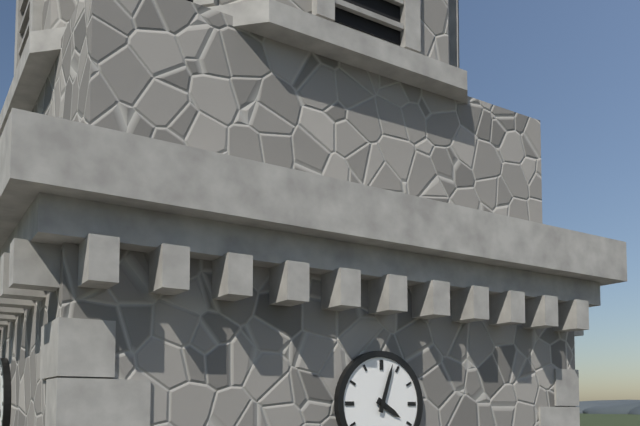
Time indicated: 4h03
